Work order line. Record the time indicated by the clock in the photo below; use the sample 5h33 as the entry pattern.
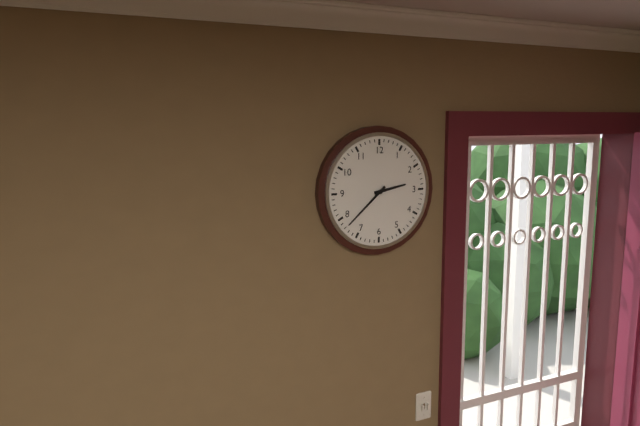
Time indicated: 2h38
